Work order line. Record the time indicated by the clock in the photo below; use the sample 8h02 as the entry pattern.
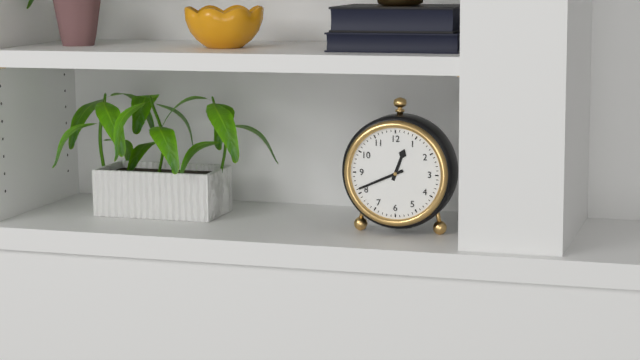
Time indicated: 12h41
